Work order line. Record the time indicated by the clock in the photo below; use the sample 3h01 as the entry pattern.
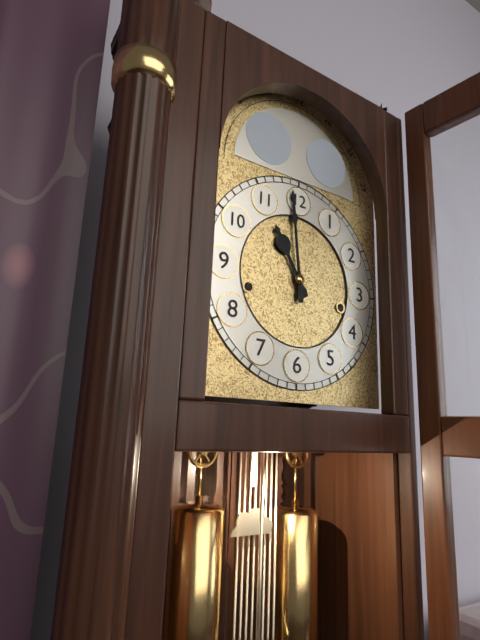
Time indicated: 10h59
